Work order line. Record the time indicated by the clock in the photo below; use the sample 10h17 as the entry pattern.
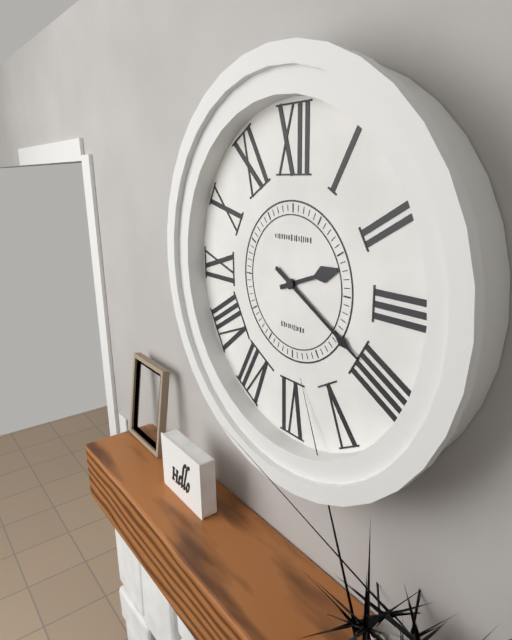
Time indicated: 2h20
